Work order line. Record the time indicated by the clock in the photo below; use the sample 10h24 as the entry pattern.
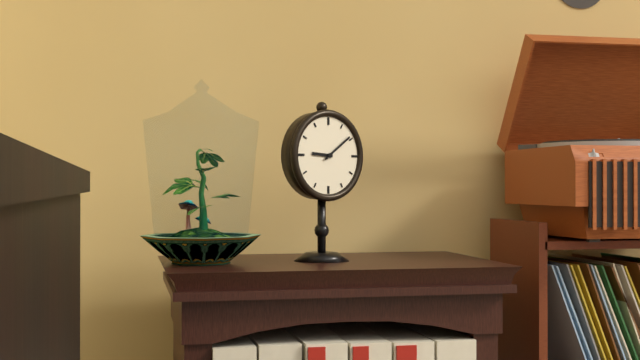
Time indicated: 9h09
